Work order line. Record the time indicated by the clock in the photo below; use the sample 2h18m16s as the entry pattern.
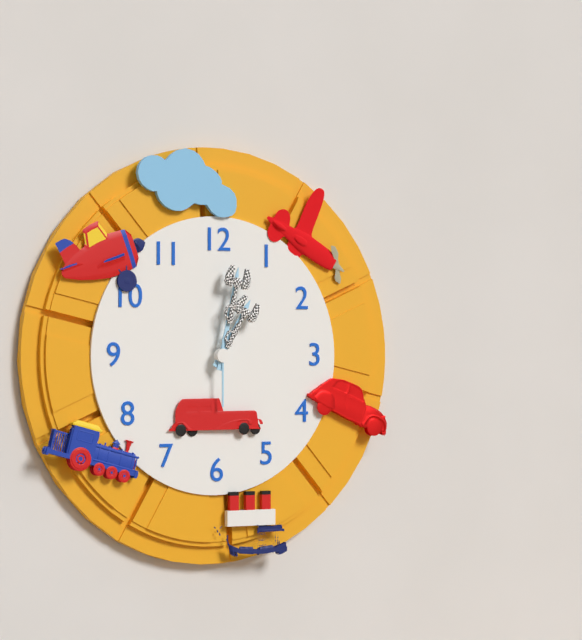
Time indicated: 1h02m30s
